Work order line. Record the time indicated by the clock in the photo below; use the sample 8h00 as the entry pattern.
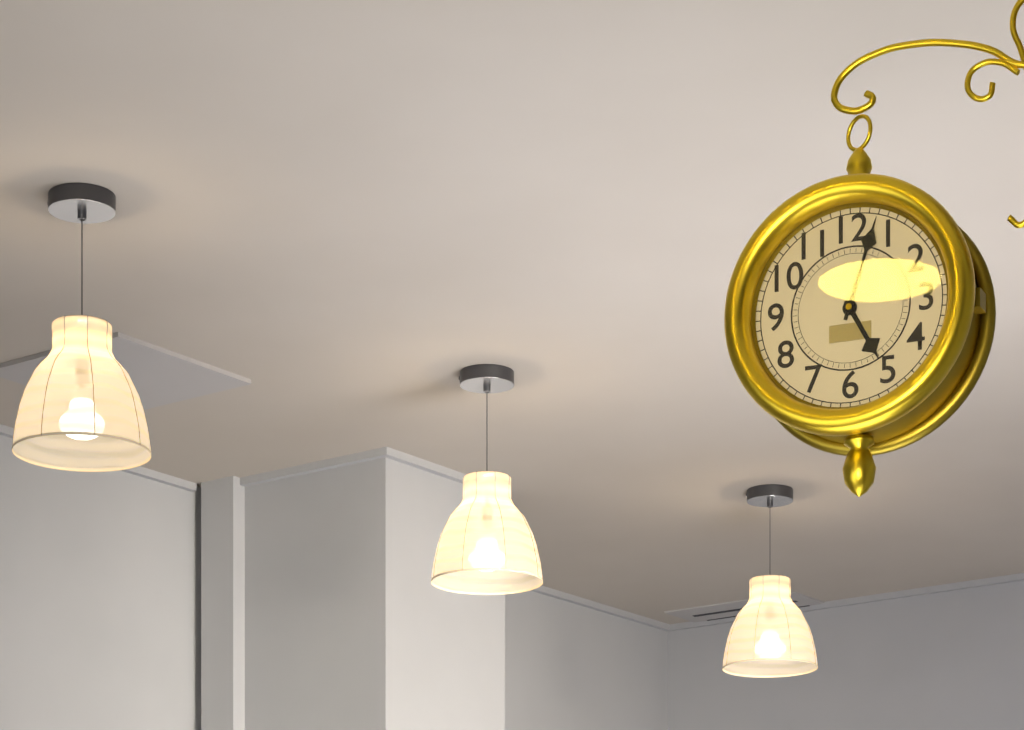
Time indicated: 5h03
